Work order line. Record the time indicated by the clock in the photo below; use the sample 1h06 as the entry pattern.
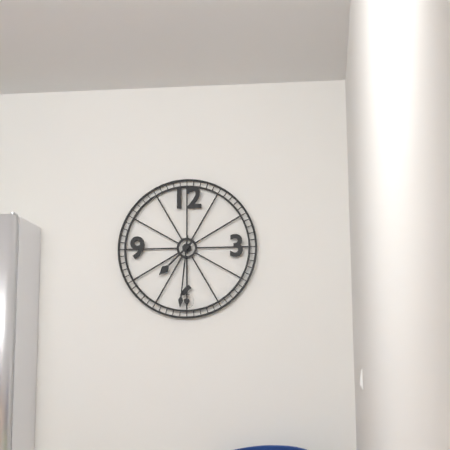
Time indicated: 7h31
